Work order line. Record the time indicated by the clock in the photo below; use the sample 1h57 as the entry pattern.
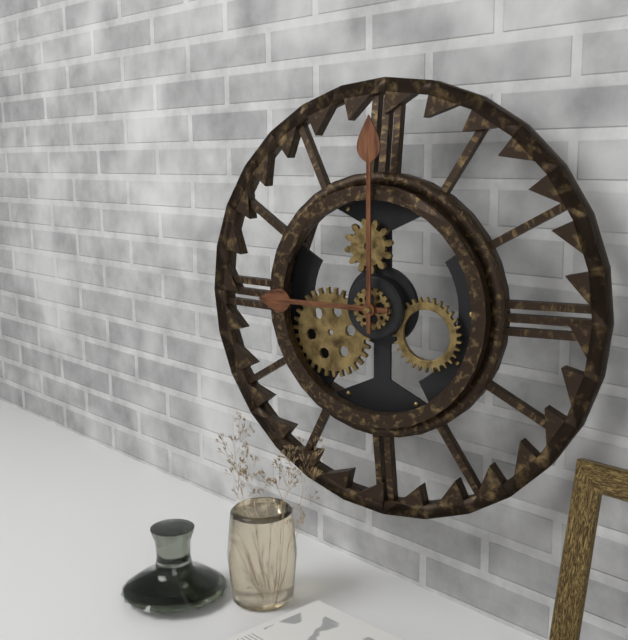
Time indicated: 9h00
